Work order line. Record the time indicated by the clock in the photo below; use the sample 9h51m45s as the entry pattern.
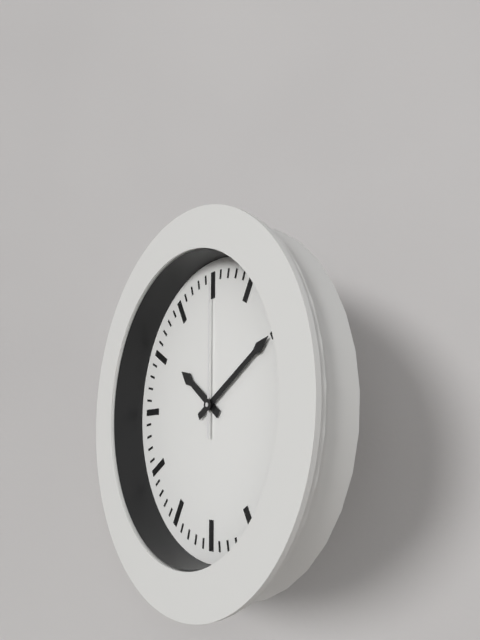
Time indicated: 10h10m00s
